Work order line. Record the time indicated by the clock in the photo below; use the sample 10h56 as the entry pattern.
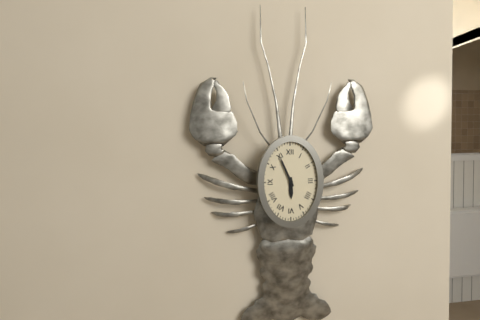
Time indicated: 5h56
